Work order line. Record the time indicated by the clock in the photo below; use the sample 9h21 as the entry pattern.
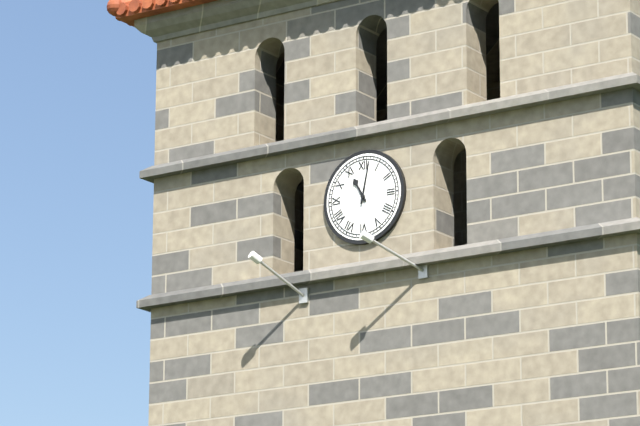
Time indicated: 11h02
